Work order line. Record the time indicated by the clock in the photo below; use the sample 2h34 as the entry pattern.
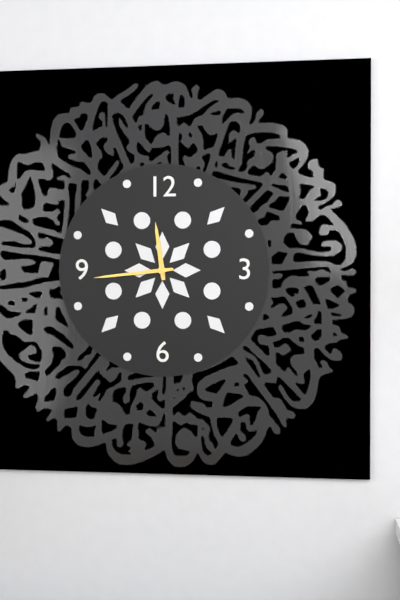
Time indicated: 11h44
